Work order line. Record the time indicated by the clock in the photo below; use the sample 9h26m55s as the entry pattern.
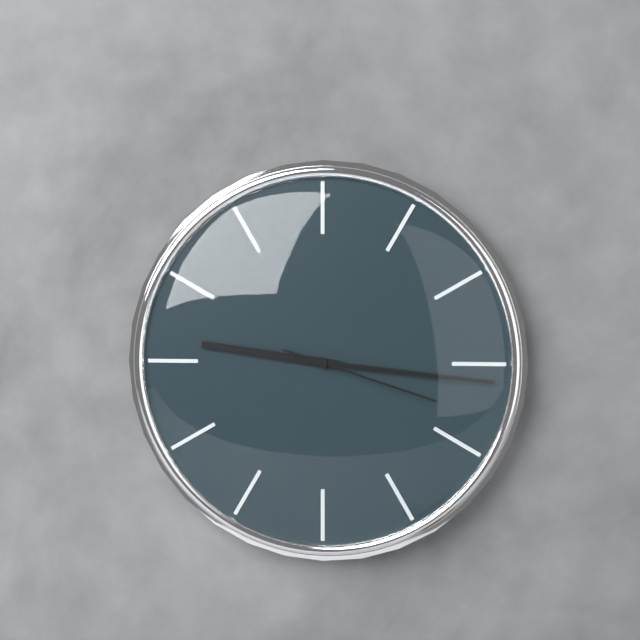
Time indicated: 9h16m18s
